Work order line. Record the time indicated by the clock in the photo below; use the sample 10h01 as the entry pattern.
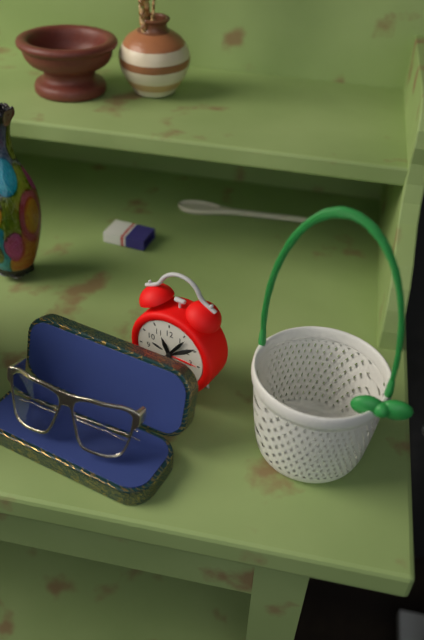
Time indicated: 11h06
